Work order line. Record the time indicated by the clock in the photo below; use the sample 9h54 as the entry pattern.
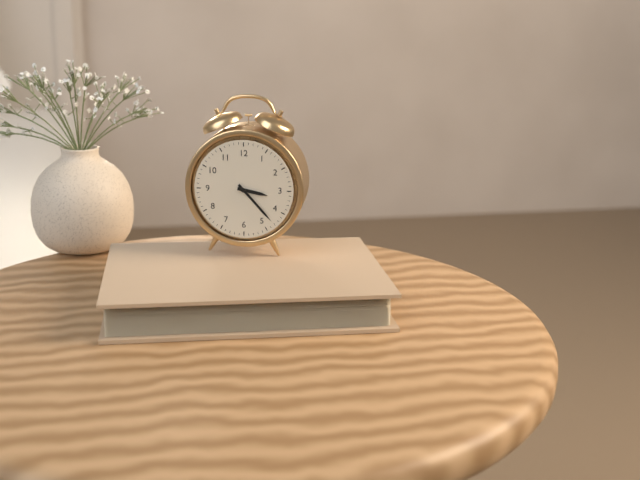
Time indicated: 3h23
